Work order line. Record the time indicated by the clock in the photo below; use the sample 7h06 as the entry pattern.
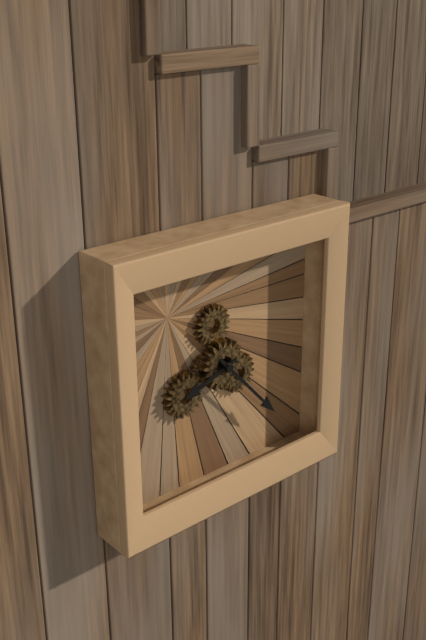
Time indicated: 8h23
